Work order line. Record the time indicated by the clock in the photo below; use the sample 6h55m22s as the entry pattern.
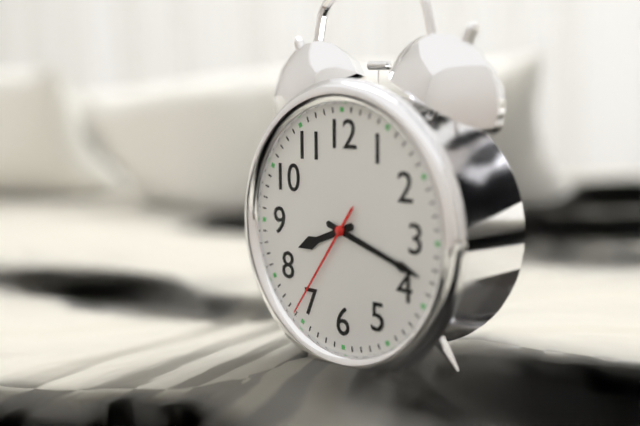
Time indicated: 8h18m36s
